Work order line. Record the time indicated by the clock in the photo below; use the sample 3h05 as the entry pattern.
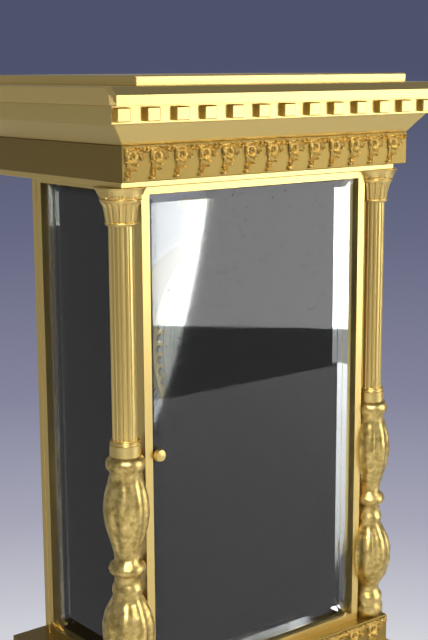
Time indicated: 1h54
